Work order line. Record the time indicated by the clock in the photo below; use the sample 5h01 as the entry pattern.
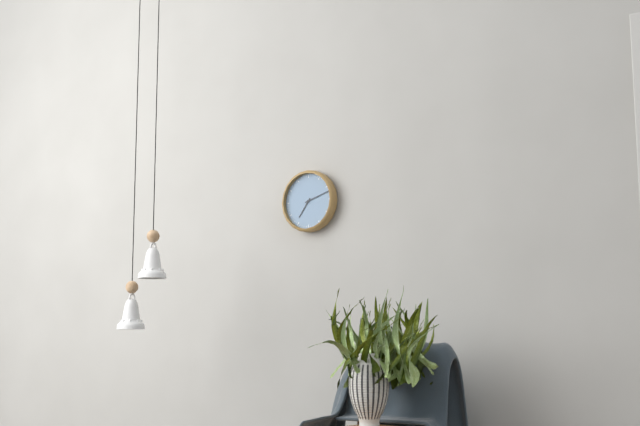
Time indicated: 7h12
